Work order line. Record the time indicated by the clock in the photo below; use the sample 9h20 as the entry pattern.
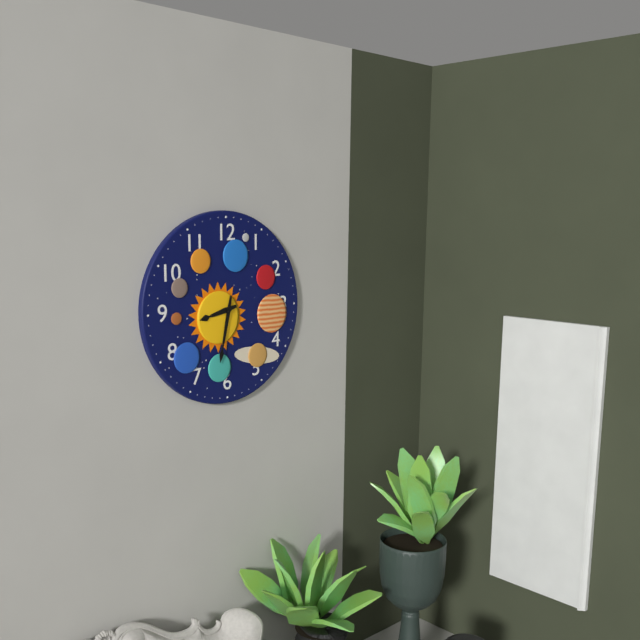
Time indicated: 8h32
